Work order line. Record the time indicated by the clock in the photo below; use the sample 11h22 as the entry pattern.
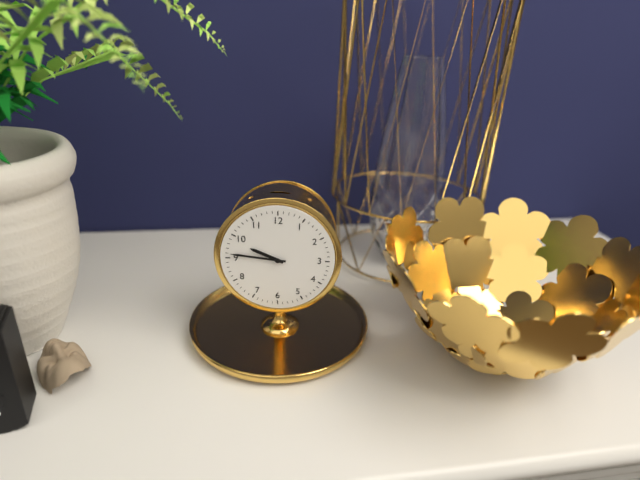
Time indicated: 9h46
